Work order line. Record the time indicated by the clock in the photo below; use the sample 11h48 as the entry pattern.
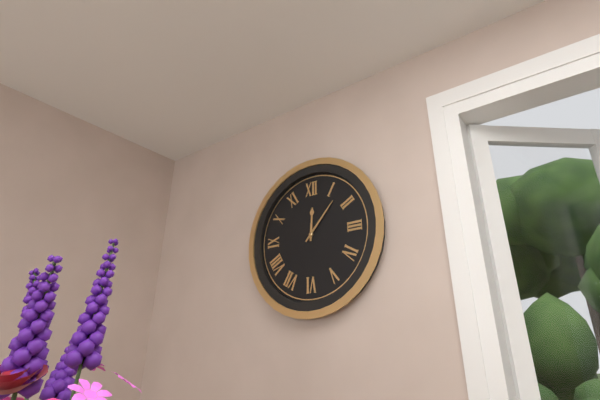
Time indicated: 12h07
